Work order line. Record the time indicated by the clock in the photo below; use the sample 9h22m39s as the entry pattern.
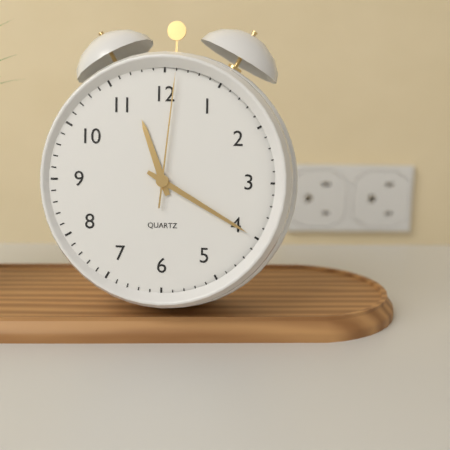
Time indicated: 11h20m01s
